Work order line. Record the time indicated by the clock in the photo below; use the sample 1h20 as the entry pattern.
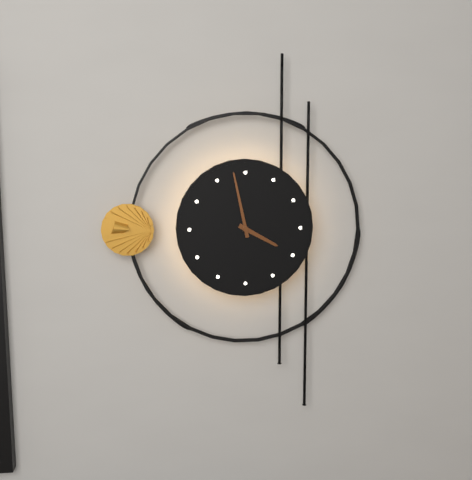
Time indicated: 3h58
